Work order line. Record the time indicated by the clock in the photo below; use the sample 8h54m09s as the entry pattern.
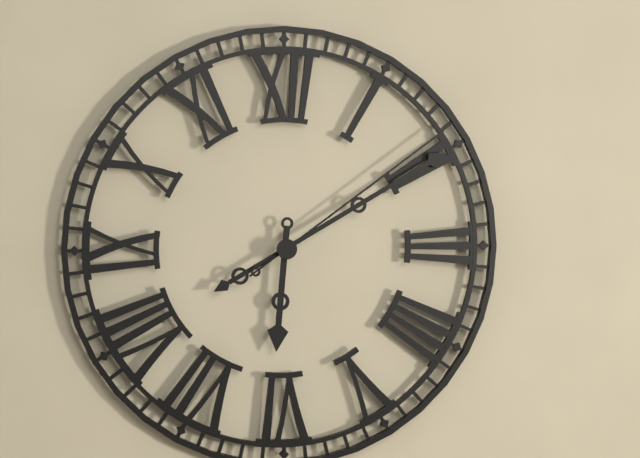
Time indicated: 6h10m09s
